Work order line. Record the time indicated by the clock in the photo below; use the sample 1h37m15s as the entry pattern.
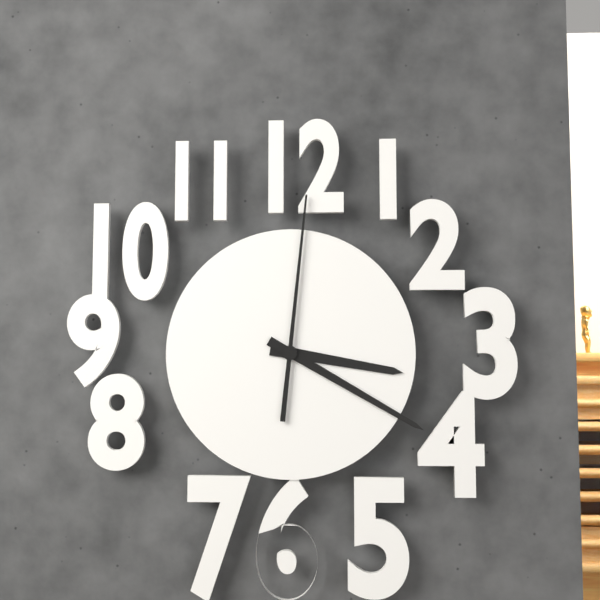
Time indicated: 3h20m01s
